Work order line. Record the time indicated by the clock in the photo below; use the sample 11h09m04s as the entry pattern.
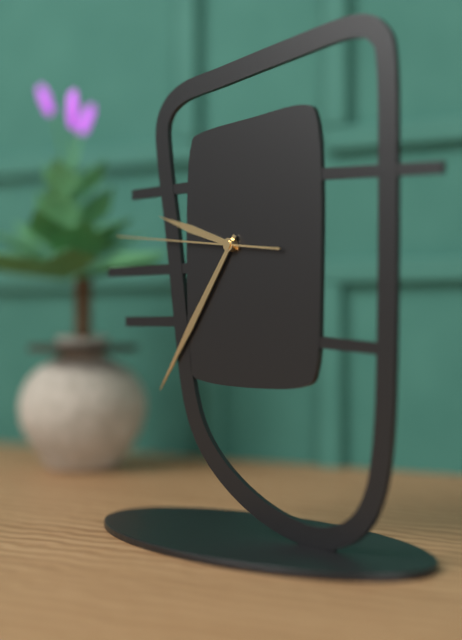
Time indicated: 9h36m46s
